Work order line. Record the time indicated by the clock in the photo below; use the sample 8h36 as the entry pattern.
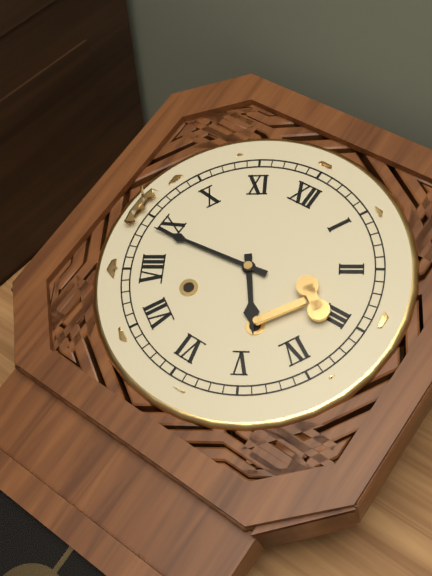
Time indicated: 4h44
